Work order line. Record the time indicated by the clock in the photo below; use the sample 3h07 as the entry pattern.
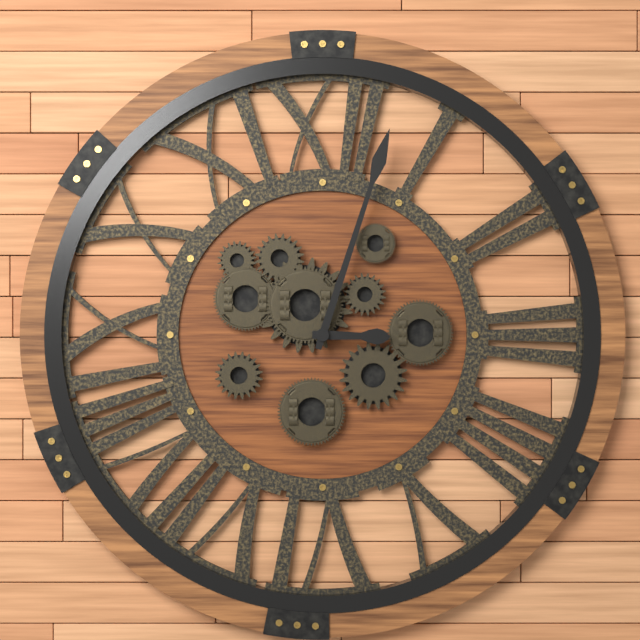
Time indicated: 3h03
